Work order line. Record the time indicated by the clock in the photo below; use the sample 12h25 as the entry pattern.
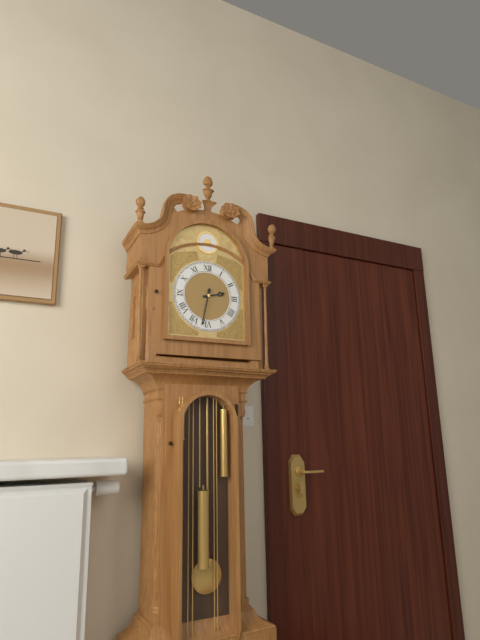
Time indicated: 2h32
